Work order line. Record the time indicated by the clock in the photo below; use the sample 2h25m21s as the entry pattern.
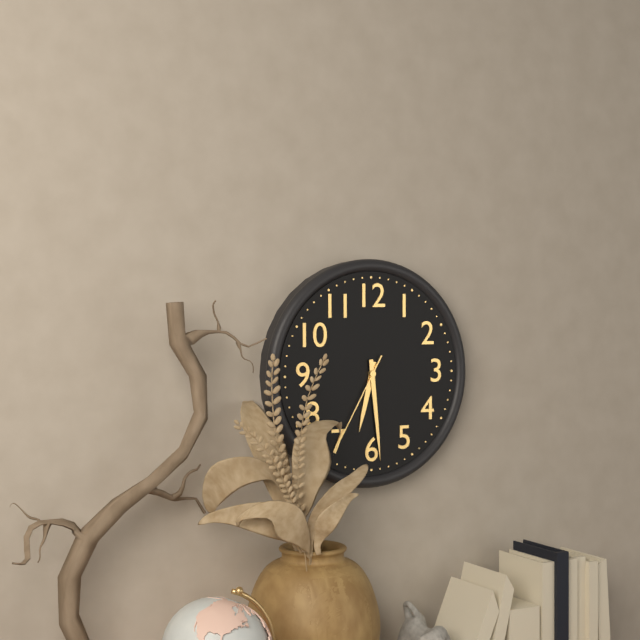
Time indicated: 6h29m35s
